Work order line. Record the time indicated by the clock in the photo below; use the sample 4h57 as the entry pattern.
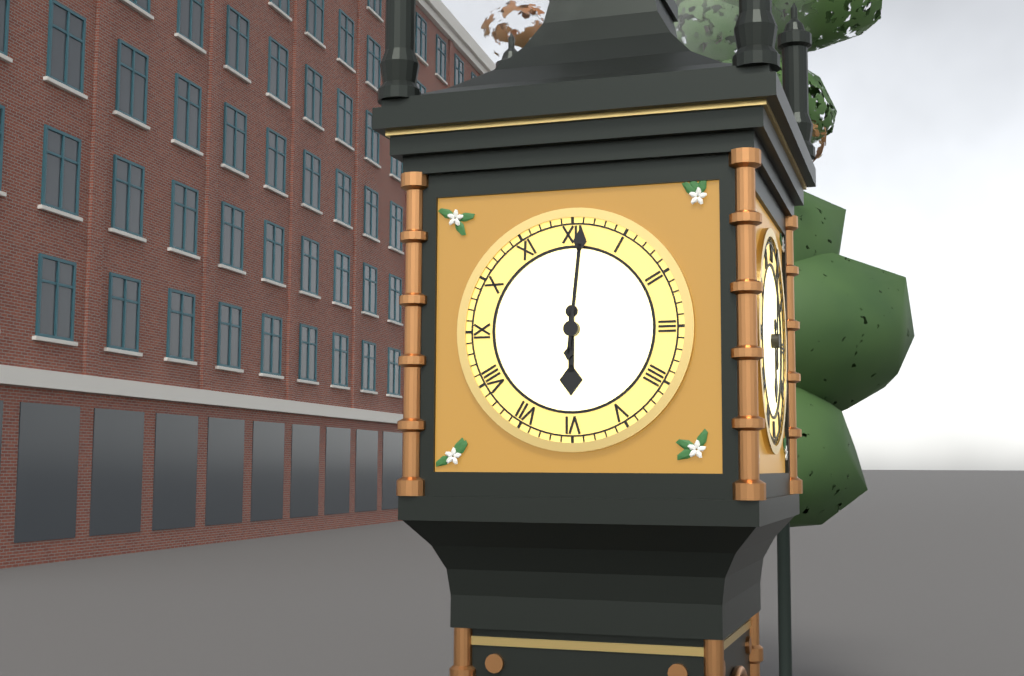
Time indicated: 6h01
